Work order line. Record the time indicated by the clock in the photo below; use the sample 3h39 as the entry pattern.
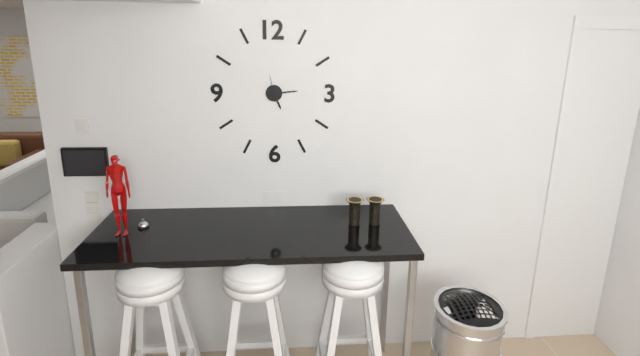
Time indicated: 5h14
